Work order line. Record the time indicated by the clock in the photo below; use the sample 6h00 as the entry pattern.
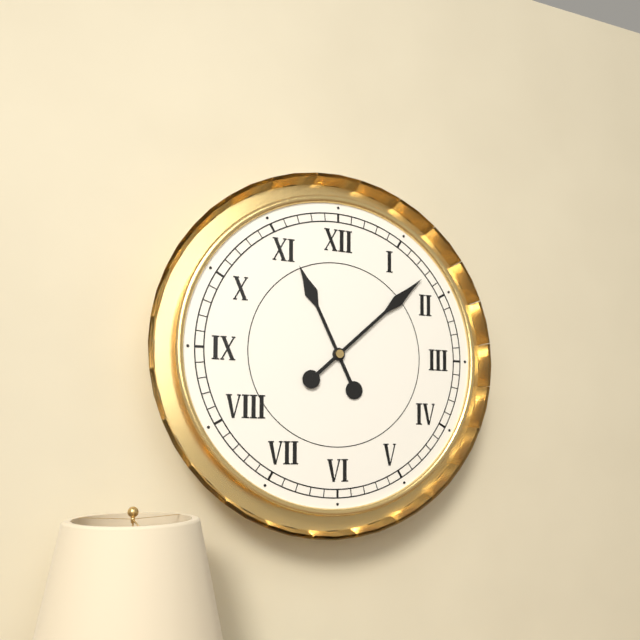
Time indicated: 11h08
